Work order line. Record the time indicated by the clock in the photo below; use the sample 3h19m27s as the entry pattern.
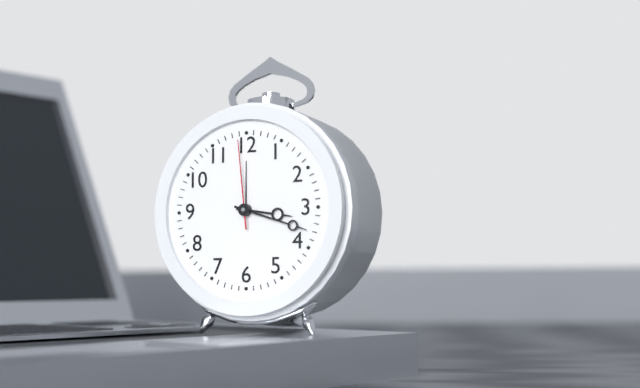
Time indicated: 3h18m59s
